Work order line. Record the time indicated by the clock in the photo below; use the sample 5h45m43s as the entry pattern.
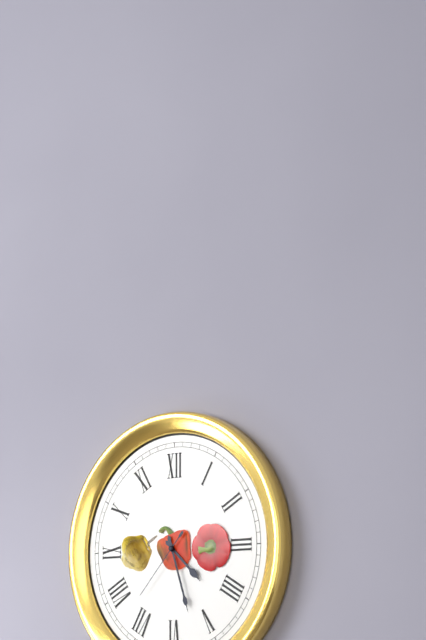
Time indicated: 4h27m37s
